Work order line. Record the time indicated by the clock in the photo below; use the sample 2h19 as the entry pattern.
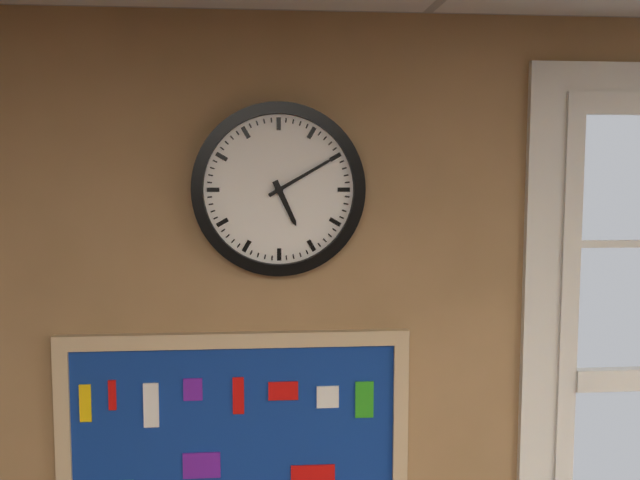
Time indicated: 5h10
